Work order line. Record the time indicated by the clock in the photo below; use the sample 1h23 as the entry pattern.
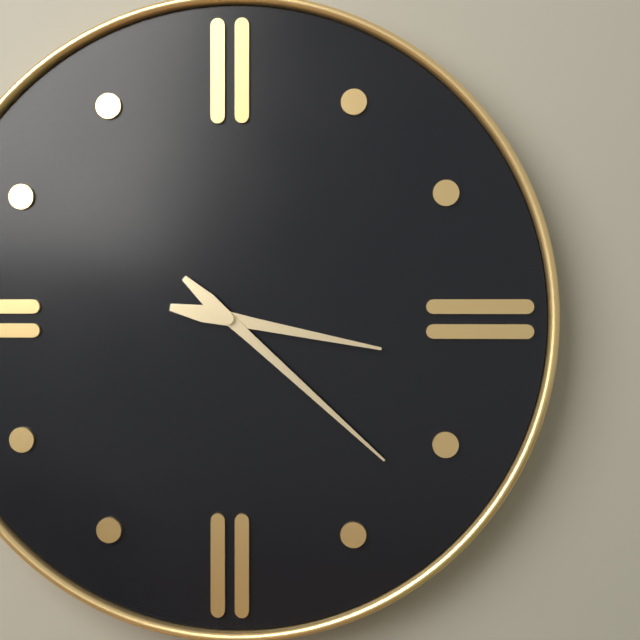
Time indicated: 3h22
